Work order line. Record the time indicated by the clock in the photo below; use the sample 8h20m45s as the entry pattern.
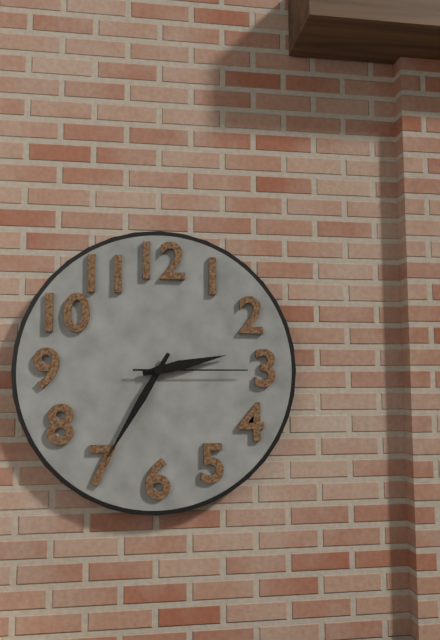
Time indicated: 2h35m15s
